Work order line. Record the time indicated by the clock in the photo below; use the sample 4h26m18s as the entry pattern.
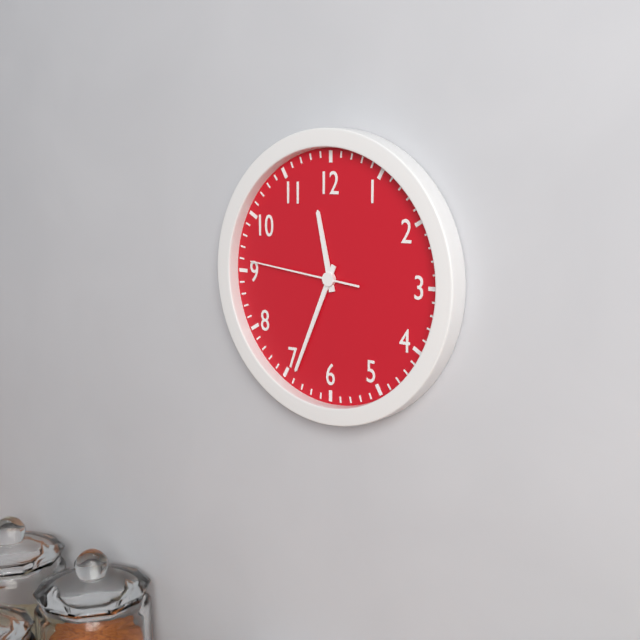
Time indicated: 11h34m46s
